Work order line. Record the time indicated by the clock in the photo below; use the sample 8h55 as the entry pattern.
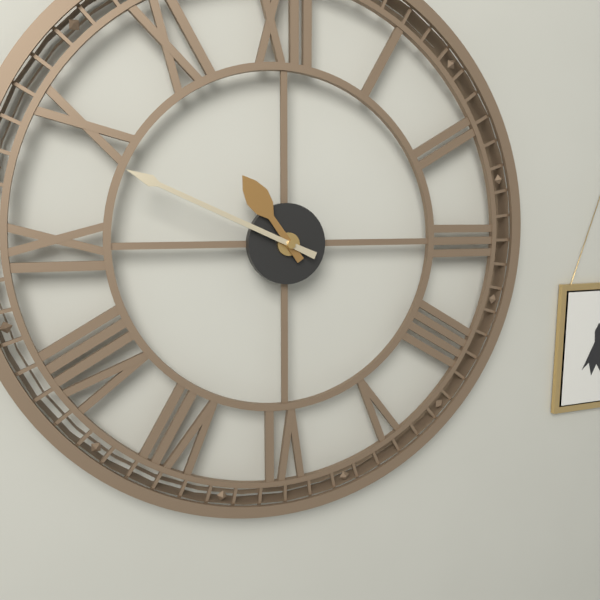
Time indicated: 10h49
